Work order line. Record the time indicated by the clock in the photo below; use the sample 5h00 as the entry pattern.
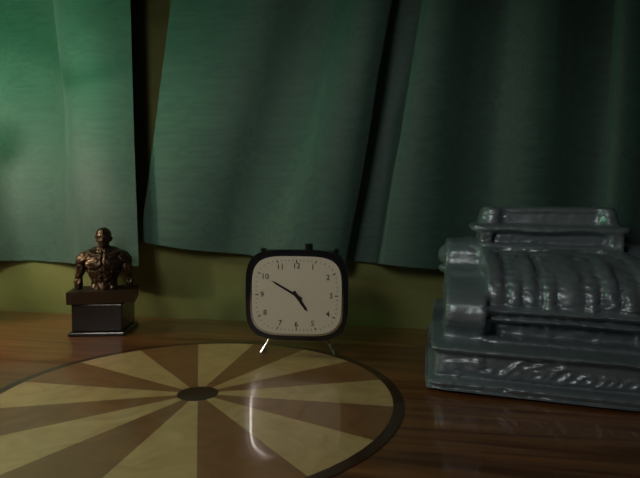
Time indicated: 4h50
